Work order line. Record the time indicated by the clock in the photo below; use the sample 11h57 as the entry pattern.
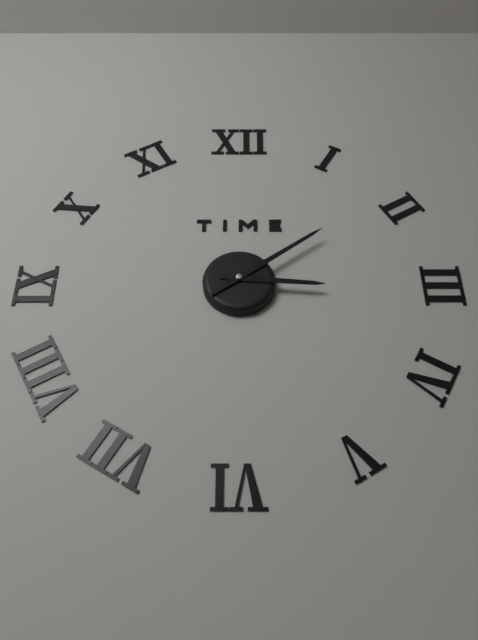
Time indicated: 3h09
